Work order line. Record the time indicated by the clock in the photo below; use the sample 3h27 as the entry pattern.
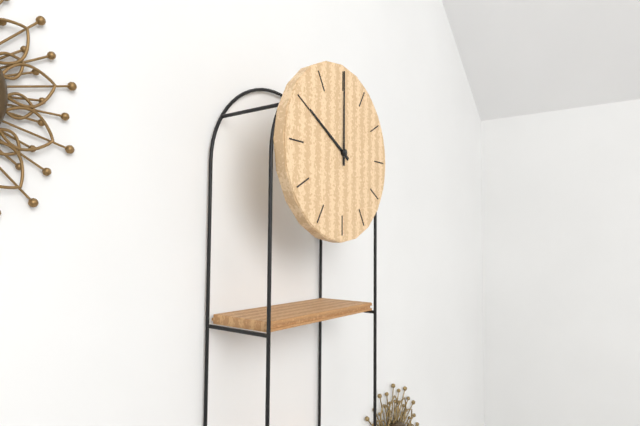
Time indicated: 10h00
